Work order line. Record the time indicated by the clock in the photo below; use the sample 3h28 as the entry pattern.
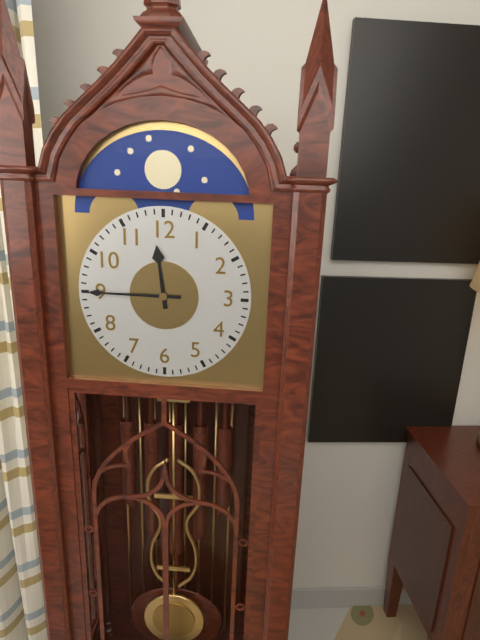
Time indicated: 11h45
